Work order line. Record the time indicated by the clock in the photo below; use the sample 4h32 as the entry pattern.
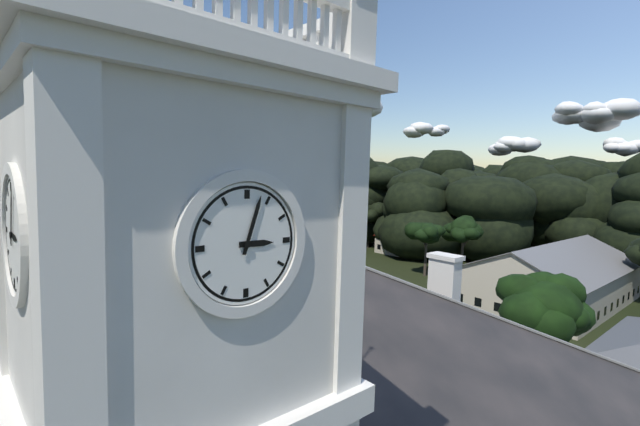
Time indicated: 3h03
